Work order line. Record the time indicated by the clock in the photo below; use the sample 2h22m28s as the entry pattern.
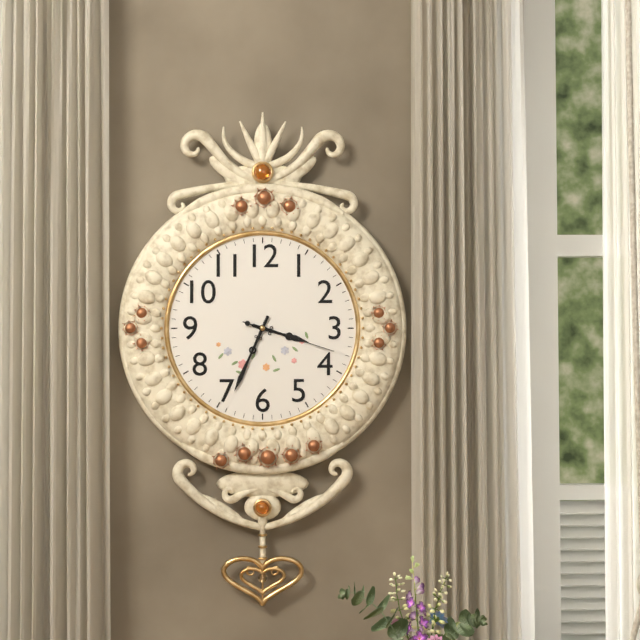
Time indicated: 3h34m18s
